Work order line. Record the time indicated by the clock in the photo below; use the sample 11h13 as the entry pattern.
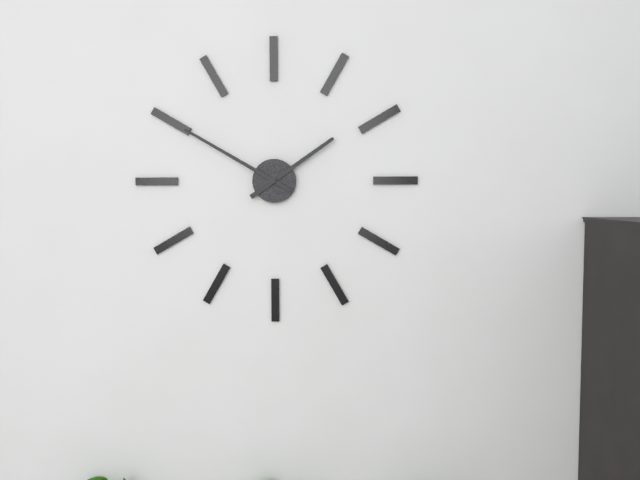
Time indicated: 1h50
